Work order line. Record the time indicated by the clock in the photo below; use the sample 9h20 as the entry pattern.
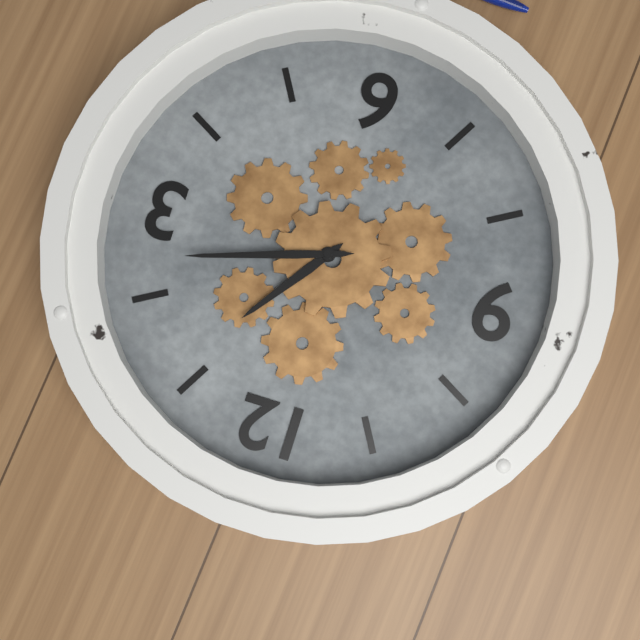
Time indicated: 1h12
